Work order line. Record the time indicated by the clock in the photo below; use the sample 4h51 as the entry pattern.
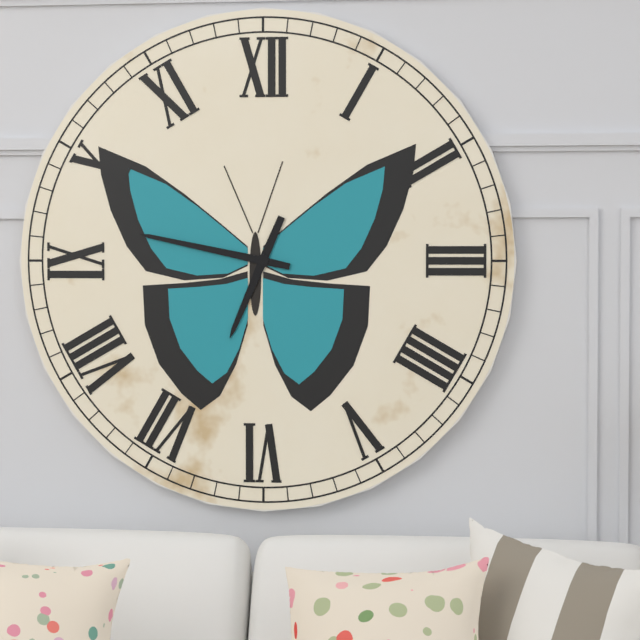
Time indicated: 6h47
